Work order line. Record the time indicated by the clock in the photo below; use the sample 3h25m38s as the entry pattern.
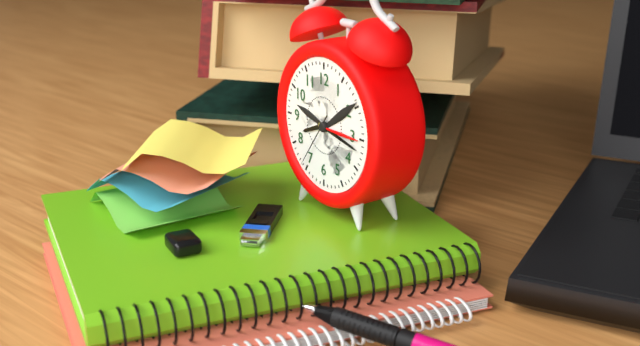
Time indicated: 8h17m36s
